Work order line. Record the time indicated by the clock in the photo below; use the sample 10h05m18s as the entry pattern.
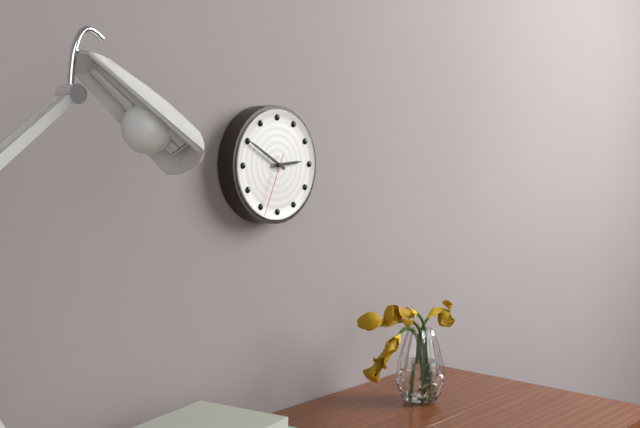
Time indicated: 2h50m34s
